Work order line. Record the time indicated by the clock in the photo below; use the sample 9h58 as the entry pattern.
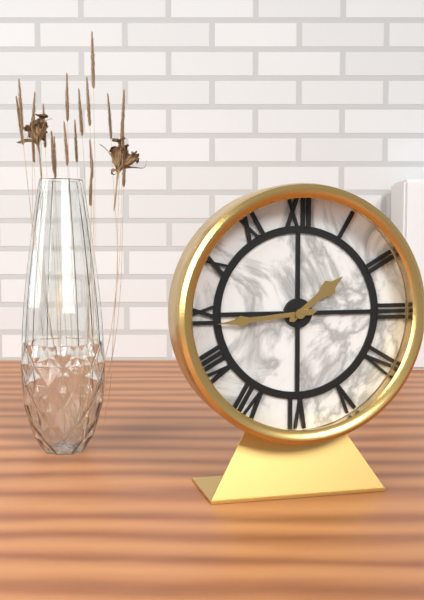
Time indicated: 1h44
